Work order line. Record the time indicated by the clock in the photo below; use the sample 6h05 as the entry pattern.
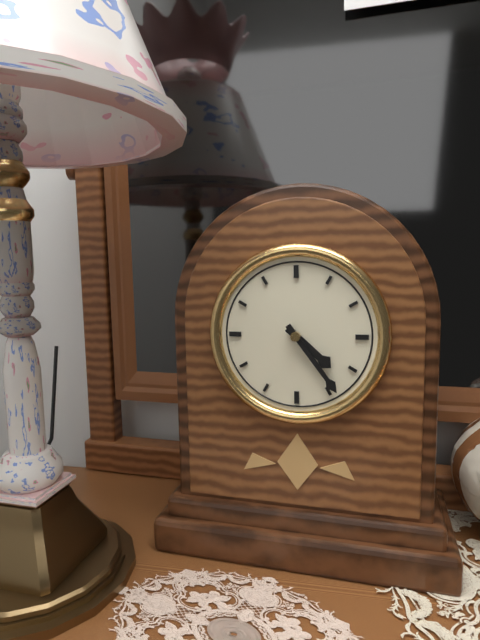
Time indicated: 4h24
